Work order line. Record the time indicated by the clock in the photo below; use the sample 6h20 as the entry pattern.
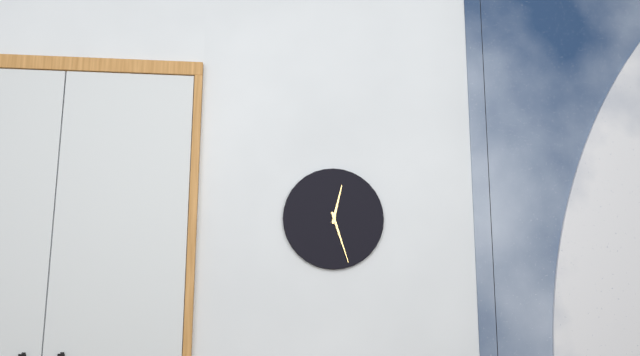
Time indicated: 12h27
